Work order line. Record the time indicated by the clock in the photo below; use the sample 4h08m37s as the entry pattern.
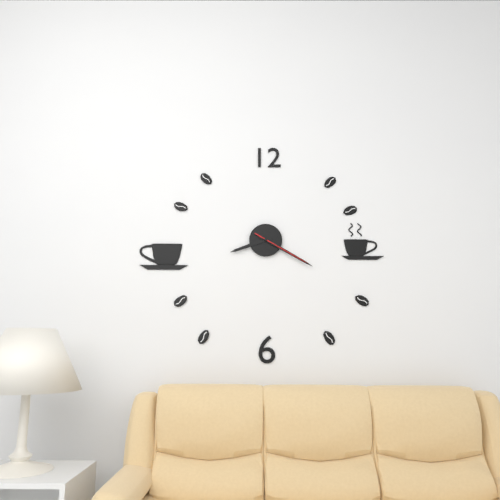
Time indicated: 8h20m20s
